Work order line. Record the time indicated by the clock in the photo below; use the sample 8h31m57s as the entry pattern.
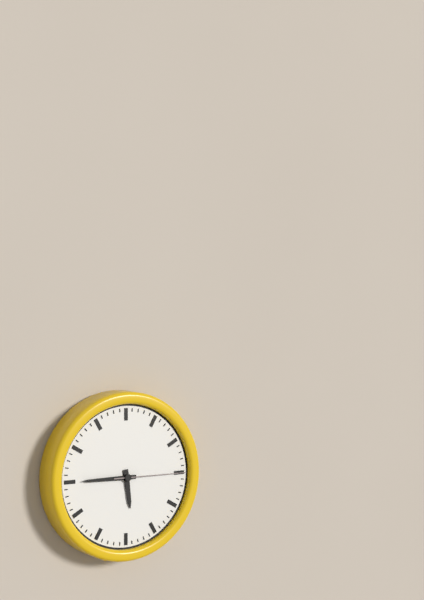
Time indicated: 5h45m15s
